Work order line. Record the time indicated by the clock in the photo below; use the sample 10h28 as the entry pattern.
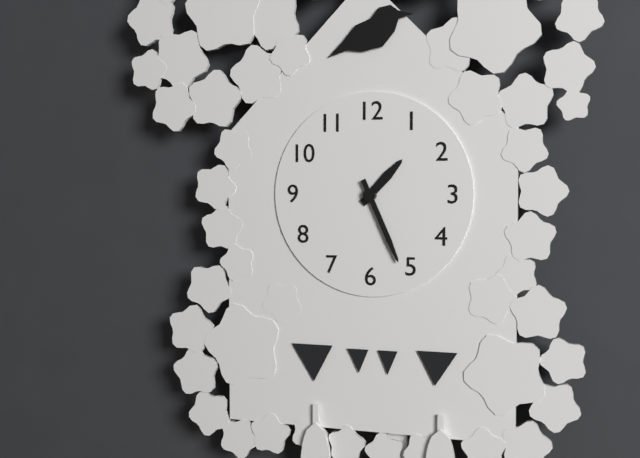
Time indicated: 1h26
